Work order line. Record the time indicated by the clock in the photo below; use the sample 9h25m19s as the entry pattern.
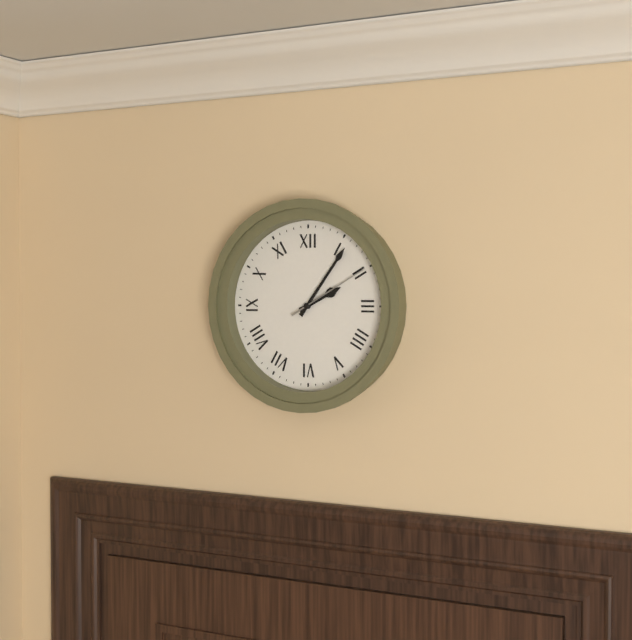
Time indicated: 2h06m10s
